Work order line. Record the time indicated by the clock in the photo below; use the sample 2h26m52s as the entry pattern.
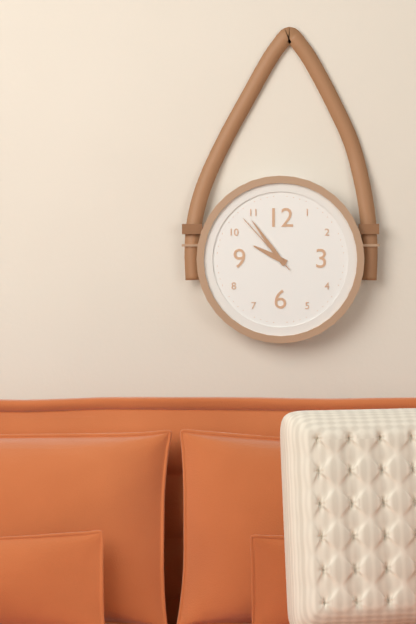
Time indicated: 9h54m53s
